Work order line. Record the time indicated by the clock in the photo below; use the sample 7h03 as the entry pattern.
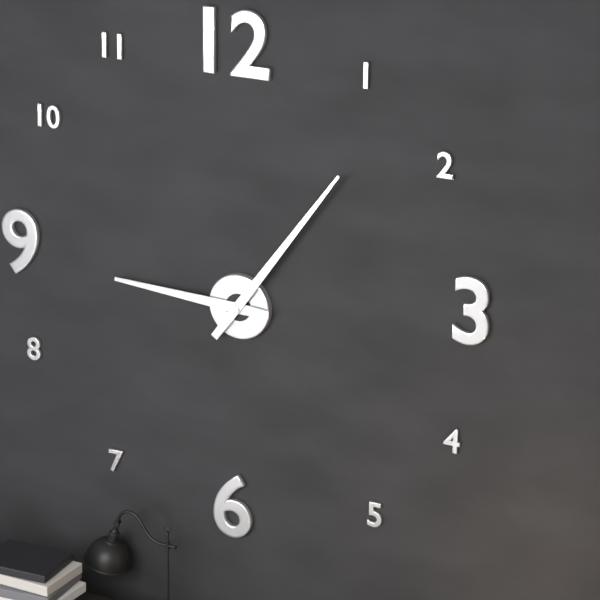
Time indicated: 9h06
